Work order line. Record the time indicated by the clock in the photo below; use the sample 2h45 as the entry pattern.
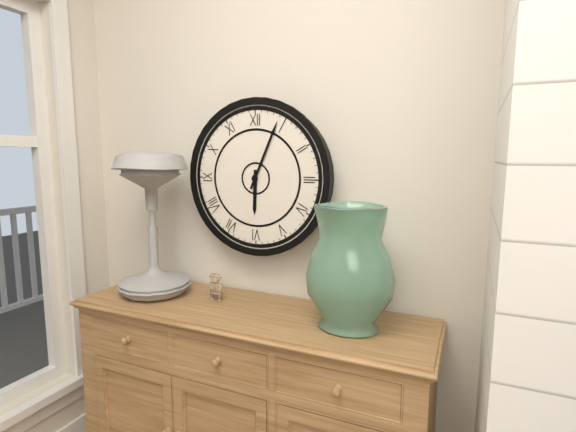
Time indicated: 6h04
